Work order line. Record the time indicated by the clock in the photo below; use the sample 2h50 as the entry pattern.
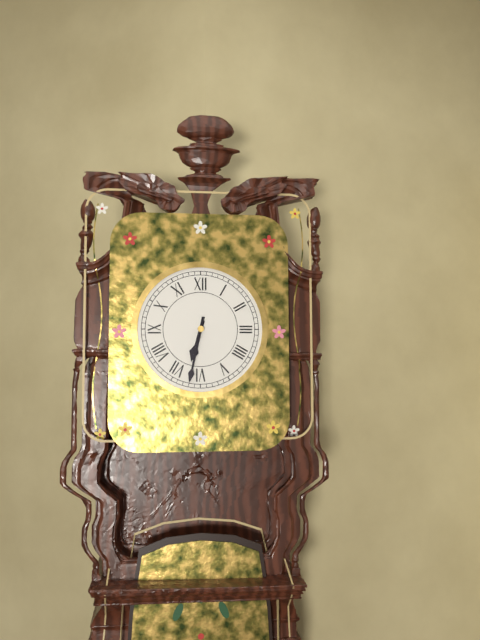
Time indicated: 6h32
